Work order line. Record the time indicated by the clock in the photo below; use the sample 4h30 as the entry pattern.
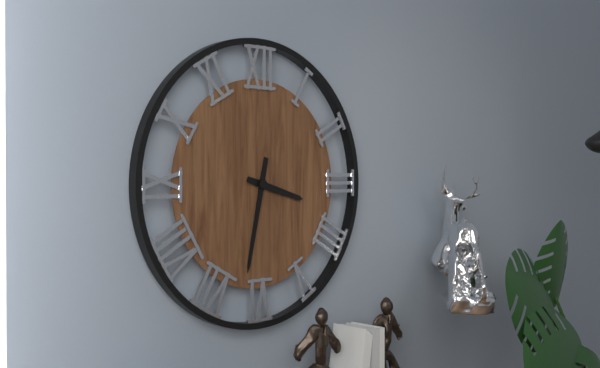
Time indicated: 3h32
